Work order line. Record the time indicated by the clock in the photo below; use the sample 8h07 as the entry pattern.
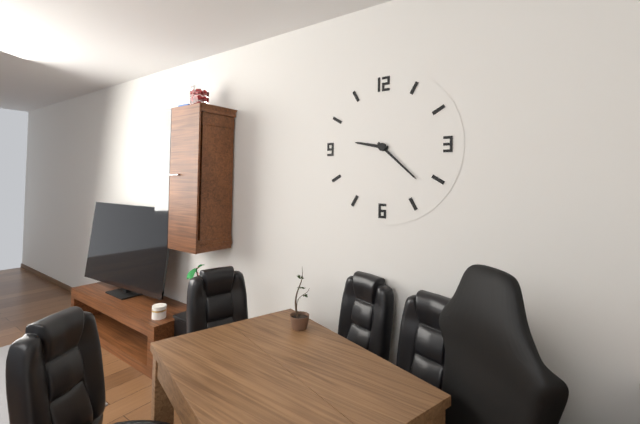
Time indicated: 9h22
